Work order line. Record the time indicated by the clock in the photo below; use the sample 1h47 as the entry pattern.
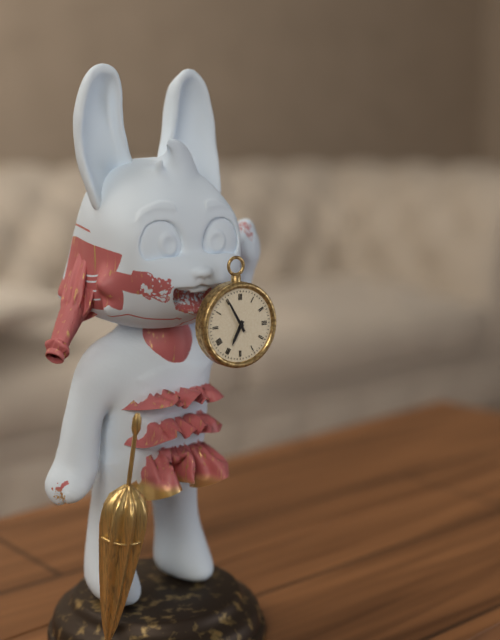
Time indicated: 6h55
